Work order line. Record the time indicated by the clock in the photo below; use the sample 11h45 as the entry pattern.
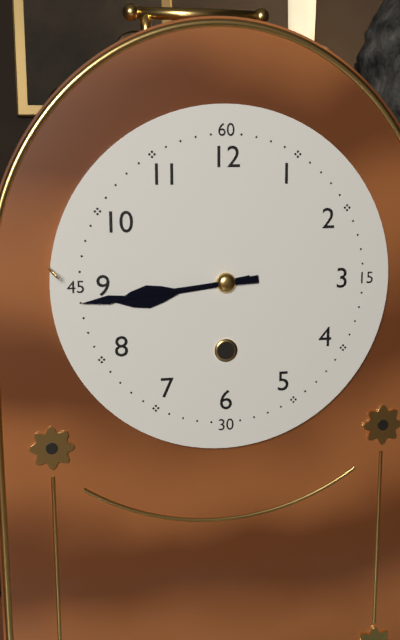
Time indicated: 8h44
